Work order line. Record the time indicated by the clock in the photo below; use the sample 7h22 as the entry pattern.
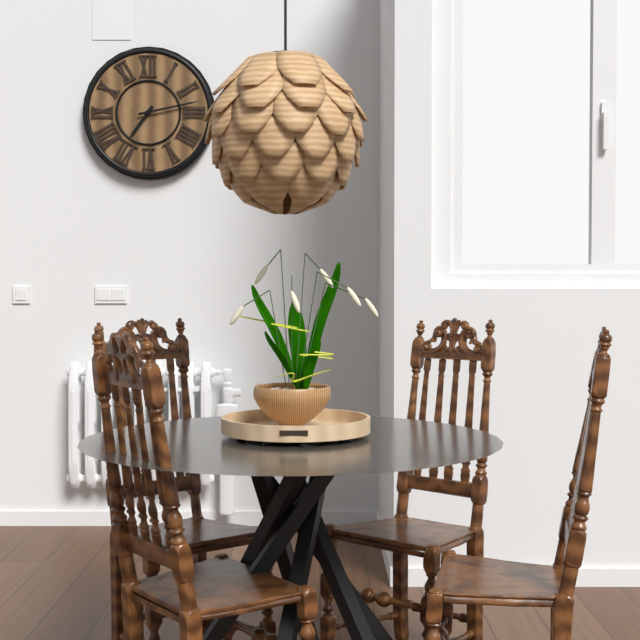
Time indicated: 7h13
